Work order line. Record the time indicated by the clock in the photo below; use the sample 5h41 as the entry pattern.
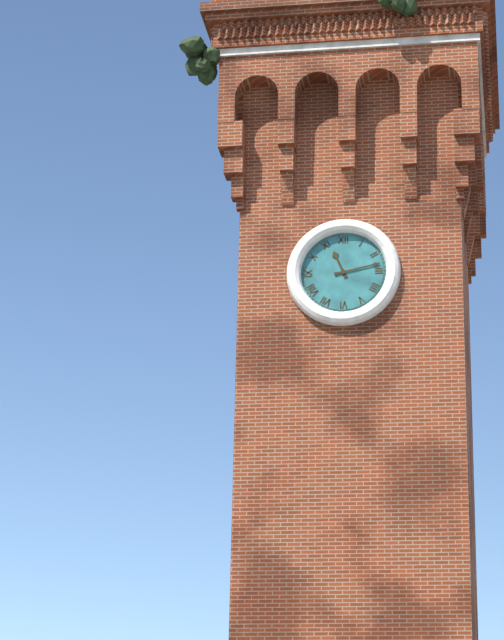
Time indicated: 11h13
